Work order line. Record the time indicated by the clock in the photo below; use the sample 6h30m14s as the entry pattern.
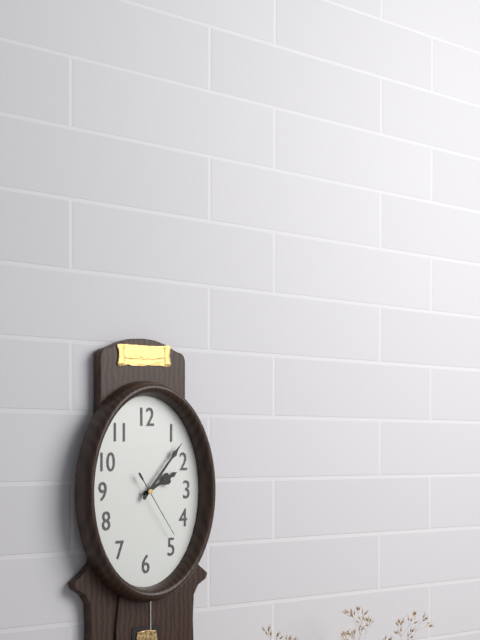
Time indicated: 2h07m24s
